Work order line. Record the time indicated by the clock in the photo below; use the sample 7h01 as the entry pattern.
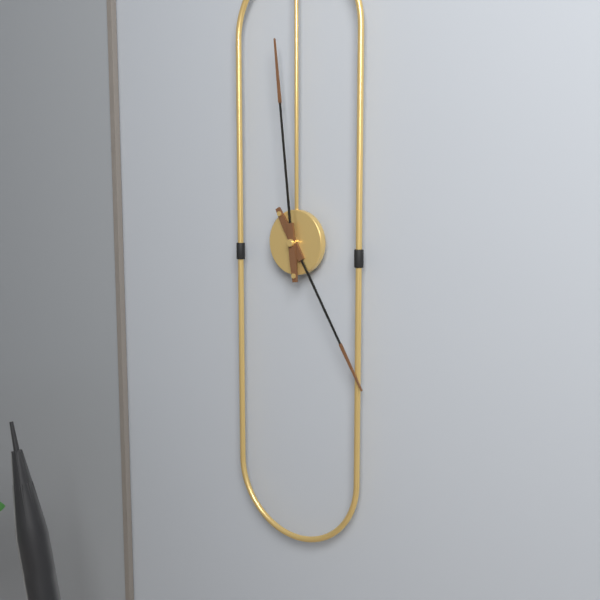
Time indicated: 4h59
